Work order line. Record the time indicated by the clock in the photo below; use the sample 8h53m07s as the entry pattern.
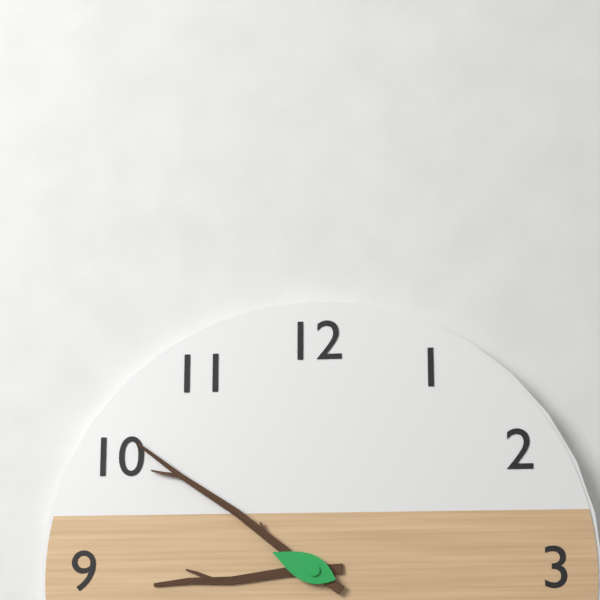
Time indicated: 8h51m49s
